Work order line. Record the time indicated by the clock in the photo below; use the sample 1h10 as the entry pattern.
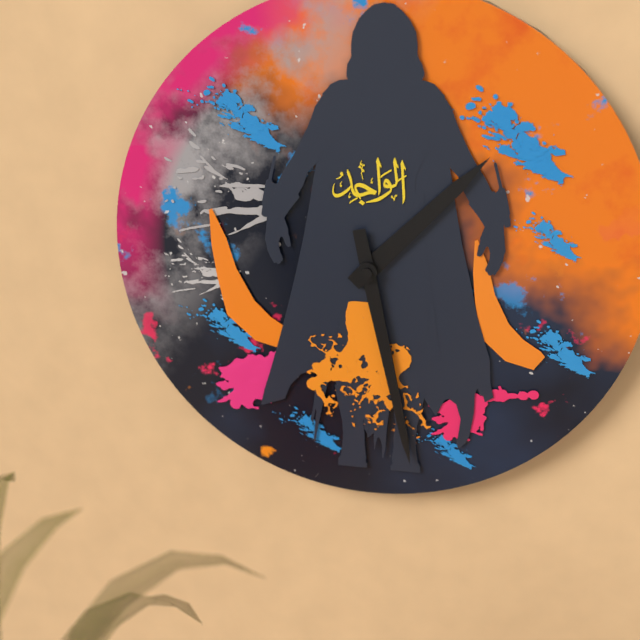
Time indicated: 1h28
